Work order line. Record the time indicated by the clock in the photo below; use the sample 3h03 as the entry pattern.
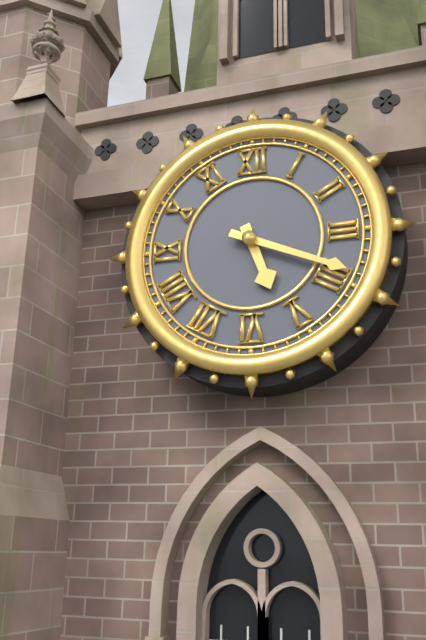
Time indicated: 5h19
